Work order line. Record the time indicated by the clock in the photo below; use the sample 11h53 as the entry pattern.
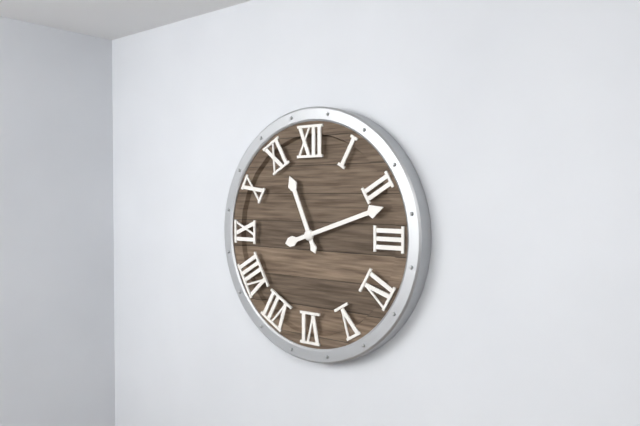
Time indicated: 11h12
